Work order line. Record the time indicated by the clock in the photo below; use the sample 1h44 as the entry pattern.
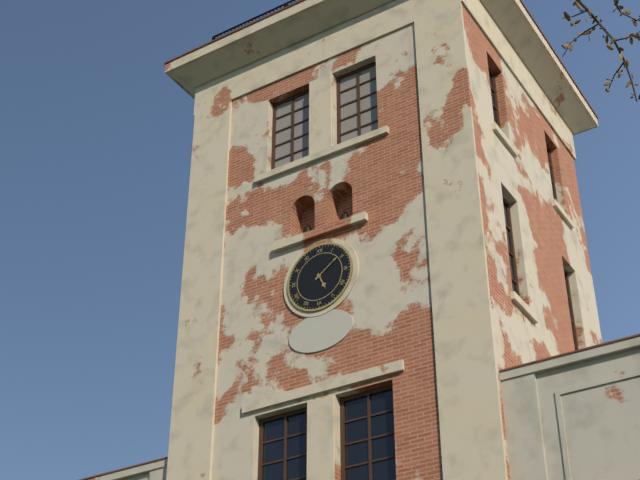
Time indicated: 5h09
